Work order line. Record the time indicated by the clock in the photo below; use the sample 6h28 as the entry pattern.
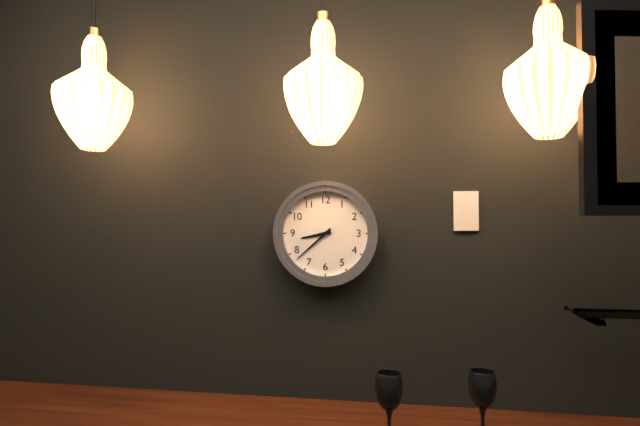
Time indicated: 8h38
